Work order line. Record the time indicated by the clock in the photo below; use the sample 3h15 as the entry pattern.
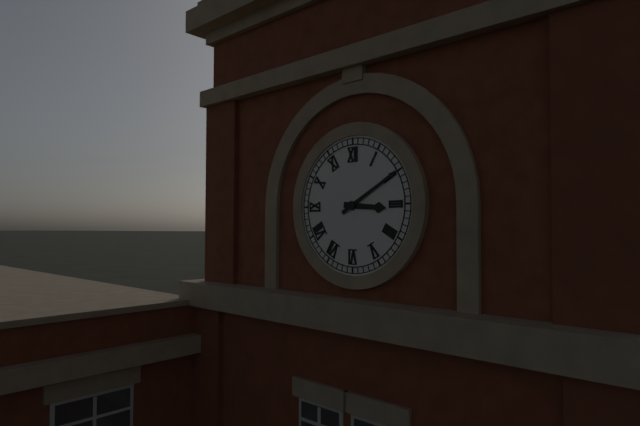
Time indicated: 3h10
